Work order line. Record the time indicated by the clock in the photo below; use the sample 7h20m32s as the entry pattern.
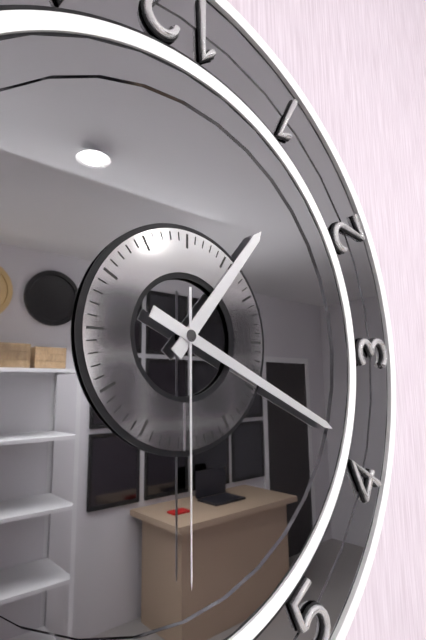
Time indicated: 1h19m30s
